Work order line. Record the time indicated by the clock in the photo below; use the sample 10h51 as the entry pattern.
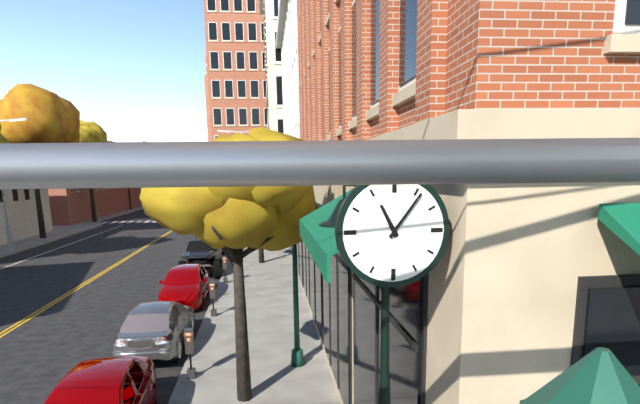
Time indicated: 11h06
